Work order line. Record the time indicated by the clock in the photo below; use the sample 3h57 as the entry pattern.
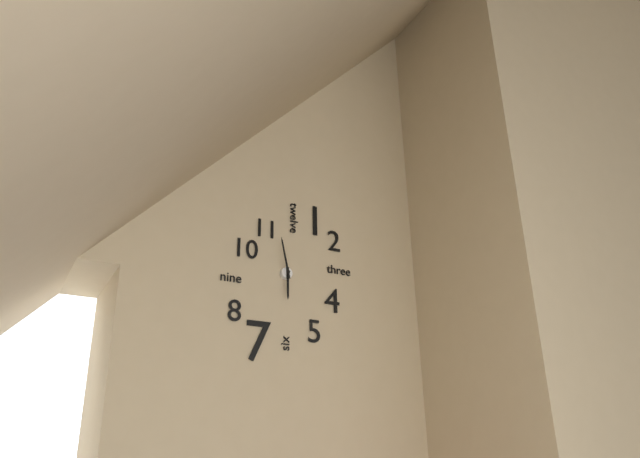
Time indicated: 5h58
